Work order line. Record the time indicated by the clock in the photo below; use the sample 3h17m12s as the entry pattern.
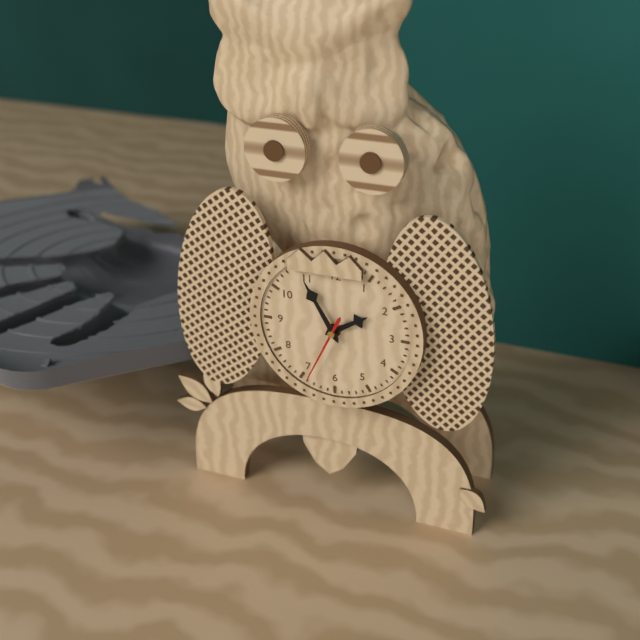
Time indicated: 1h55m34s
